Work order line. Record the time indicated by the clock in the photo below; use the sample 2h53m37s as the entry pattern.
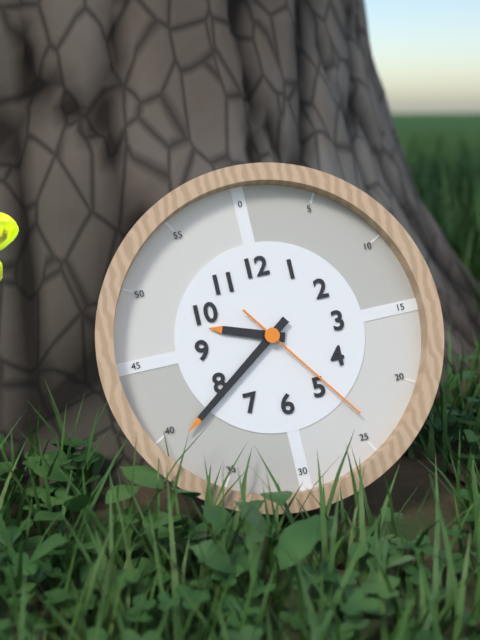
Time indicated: 9h39m24s
